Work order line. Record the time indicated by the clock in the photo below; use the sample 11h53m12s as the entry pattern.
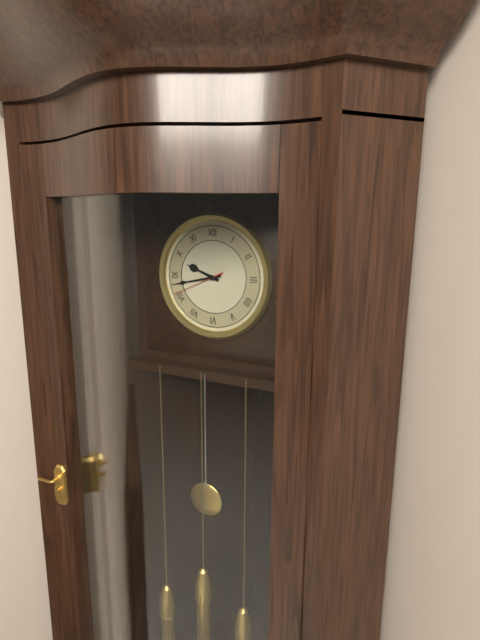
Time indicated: 9h43m41s
